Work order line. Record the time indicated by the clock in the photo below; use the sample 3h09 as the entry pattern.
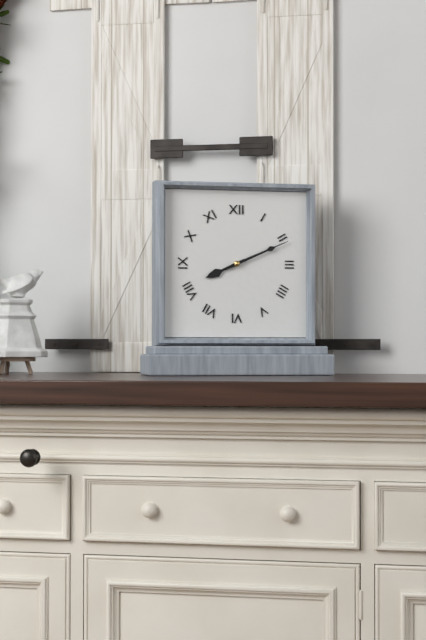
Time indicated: 8h11
